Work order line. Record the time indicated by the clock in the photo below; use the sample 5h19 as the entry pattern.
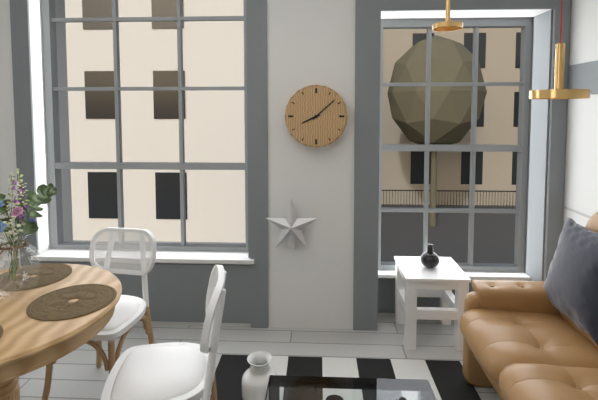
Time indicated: 8h08
